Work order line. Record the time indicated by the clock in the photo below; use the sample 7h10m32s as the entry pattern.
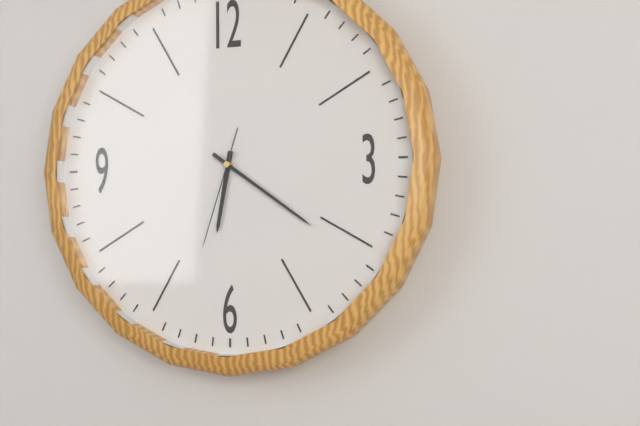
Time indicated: 6h21m33s
